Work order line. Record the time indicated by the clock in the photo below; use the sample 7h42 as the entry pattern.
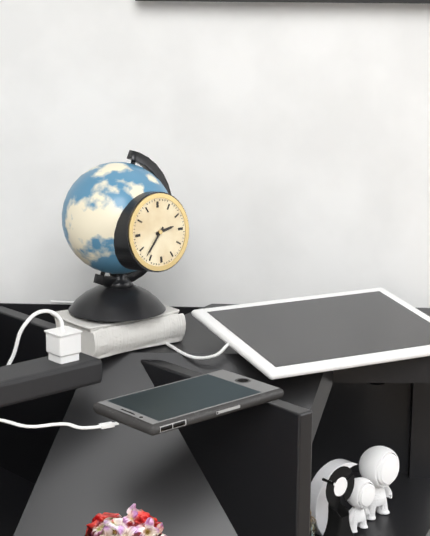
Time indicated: 2h37
